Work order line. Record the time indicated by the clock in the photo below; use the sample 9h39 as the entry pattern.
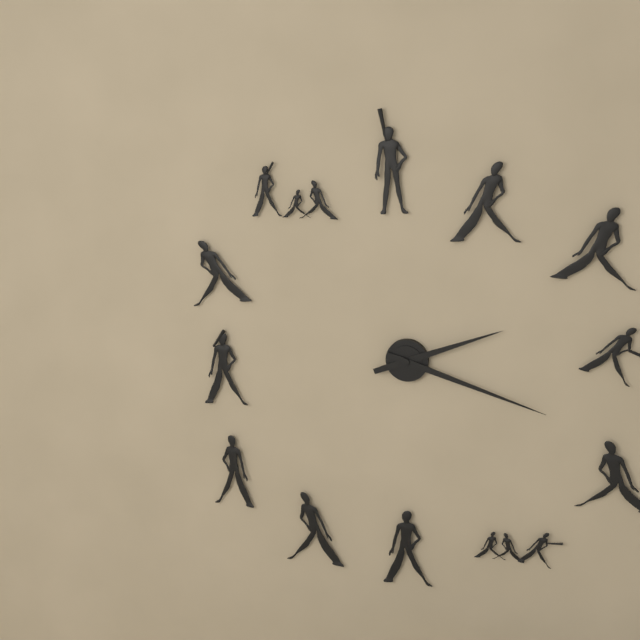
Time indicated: 2h18
